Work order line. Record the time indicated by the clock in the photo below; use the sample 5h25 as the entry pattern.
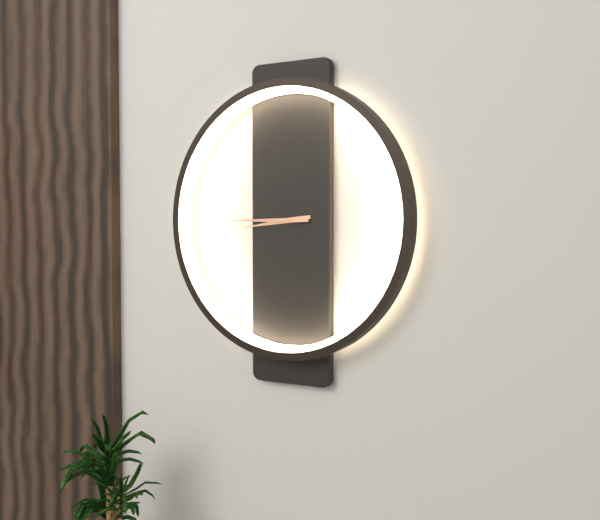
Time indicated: 8h45
